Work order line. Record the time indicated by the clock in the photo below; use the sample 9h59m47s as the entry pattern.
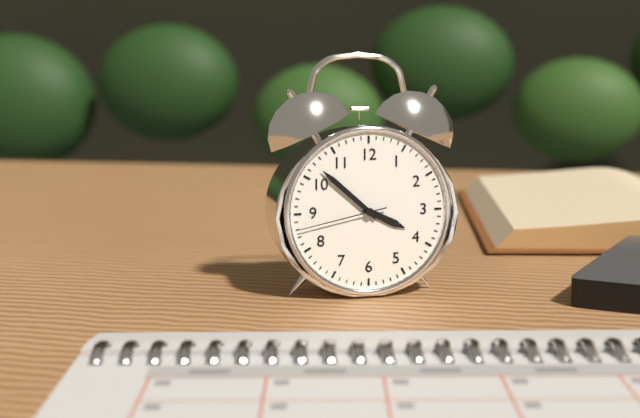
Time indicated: 3h52m43s
